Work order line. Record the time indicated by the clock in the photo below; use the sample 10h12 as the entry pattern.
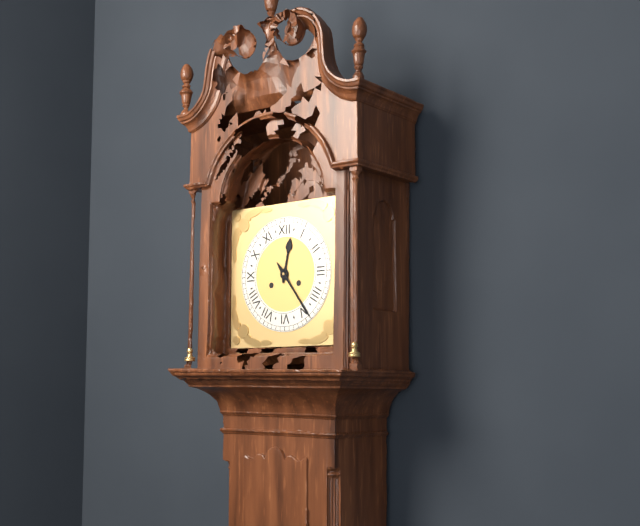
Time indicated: 12h24
